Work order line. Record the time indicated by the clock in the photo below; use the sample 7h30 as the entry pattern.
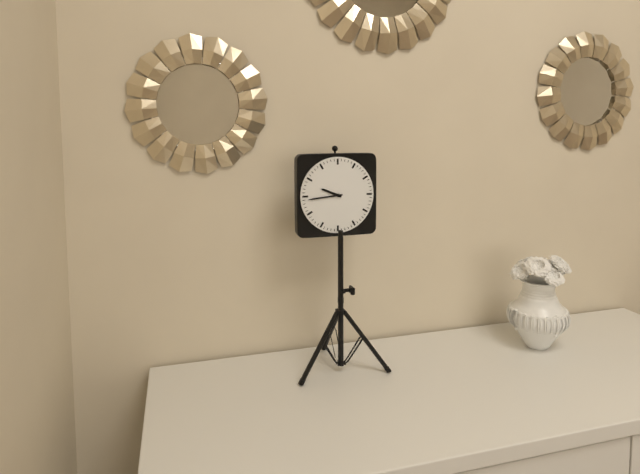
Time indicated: 9h44
